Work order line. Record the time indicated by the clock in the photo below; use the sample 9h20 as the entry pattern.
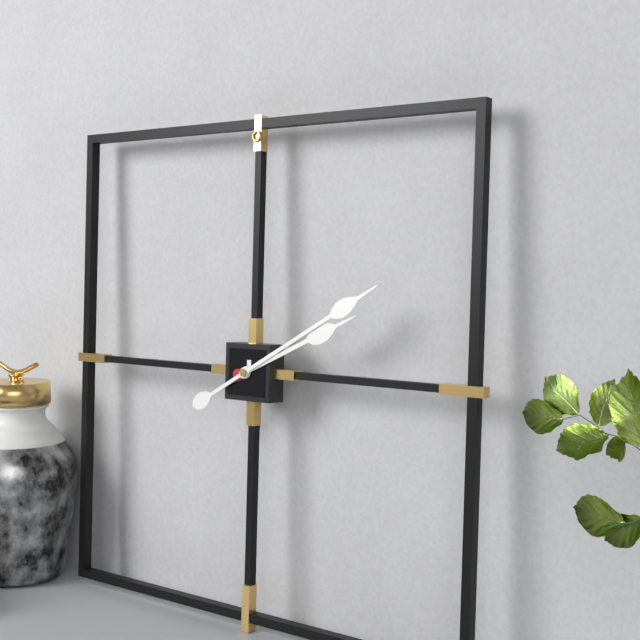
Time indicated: 2h10
